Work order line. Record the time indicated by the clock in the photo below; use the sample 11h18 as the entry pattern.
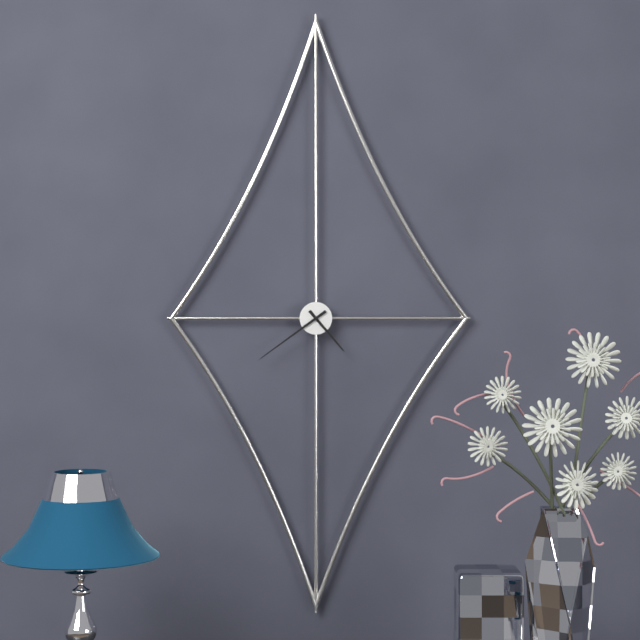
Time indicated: 4h39
